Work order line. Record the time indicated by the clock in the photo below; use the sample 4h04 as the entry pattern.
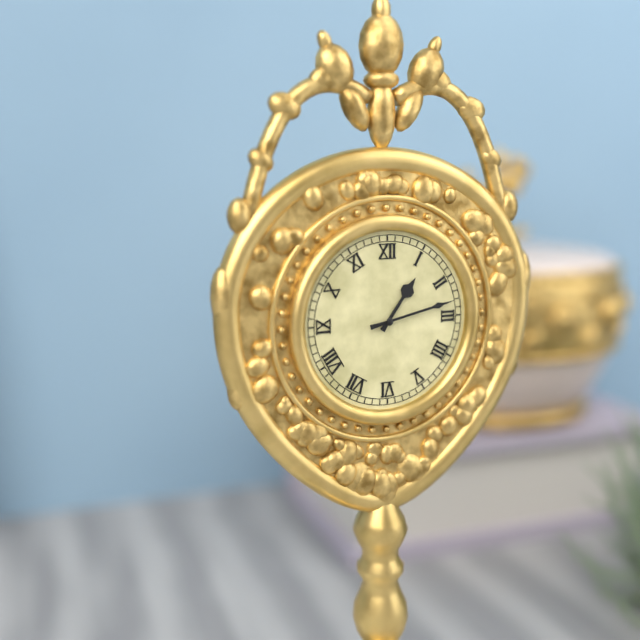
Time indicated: 1h13
